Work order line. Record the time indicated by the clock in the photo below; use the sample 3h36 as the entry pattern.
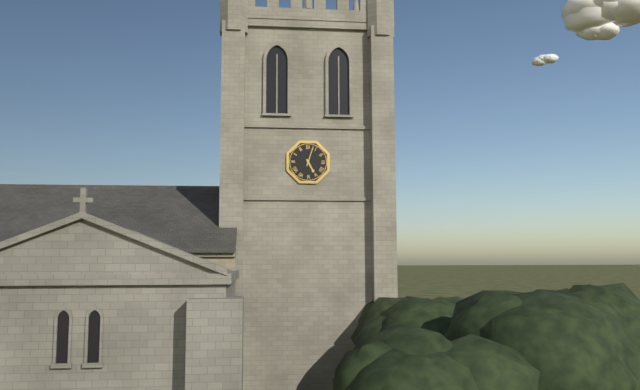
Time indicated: 5h03
